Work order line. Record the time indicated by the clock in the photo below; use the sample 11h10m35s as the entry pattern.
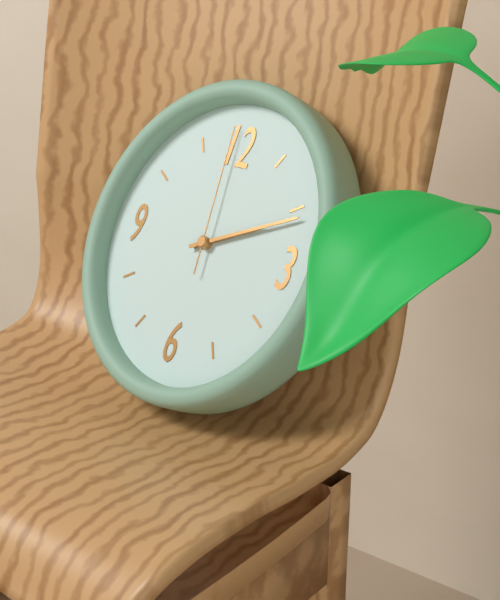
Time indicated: 2h11m59s
